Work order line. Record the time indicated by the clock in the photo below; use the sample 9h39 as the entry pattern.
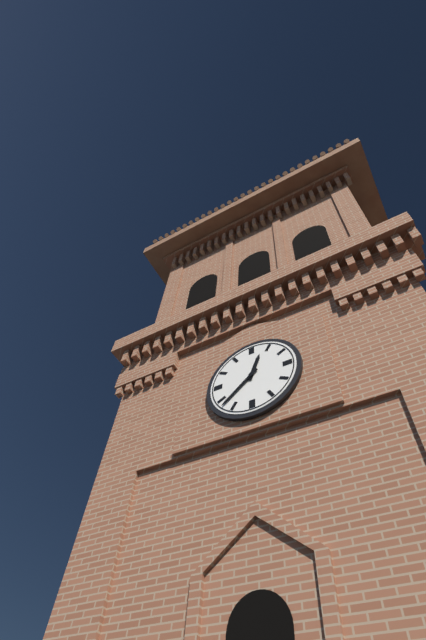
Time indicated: 12h38
